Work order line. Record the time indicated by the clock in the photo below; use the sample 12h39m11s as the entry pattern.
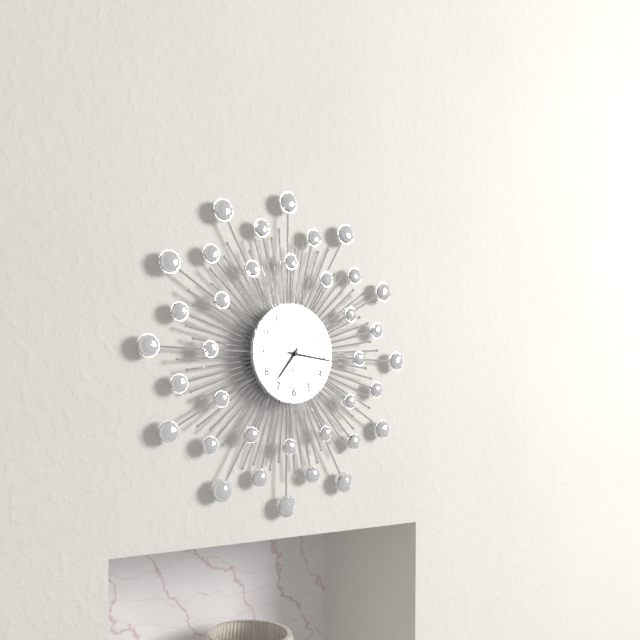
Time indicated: 7h16m32s
